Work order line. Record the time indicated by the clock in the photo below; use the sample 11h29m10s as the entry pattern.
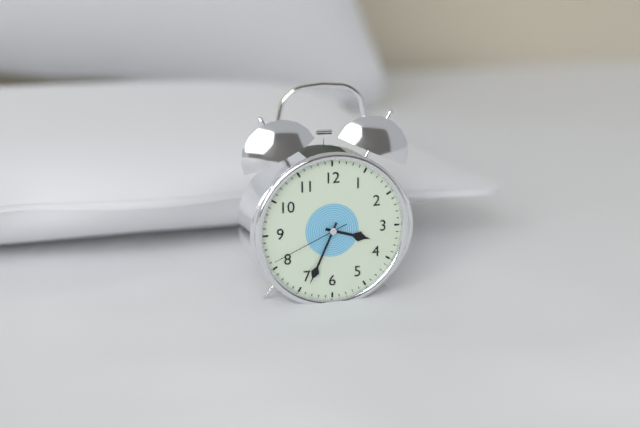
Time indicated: 3h34m41s
